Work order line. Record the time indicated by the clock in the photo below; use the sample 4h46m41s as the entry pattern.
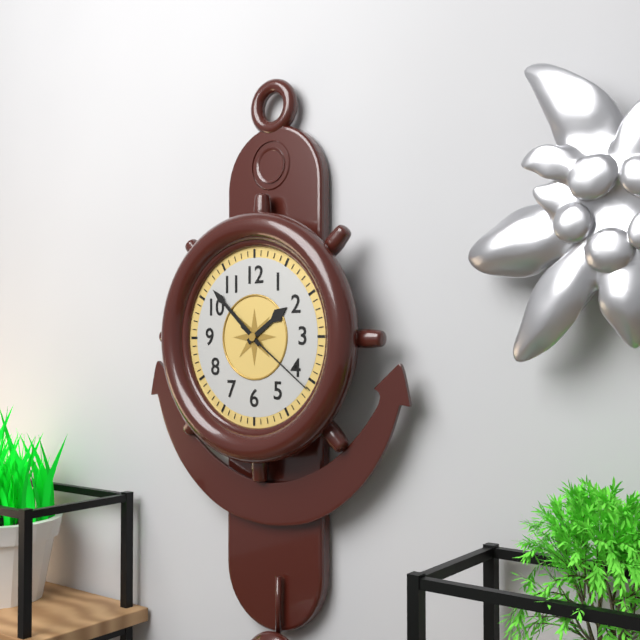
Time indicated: 1h52m21s
